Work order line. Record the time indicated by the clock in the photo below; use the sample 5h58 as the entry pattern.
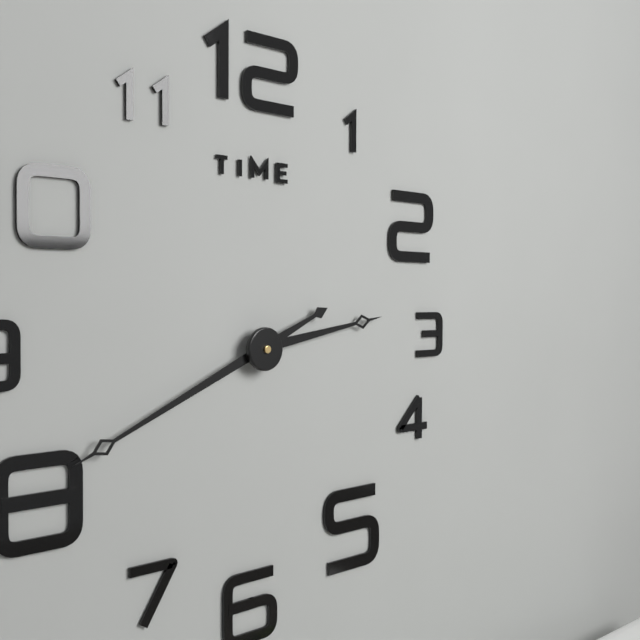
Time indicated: 2h41
